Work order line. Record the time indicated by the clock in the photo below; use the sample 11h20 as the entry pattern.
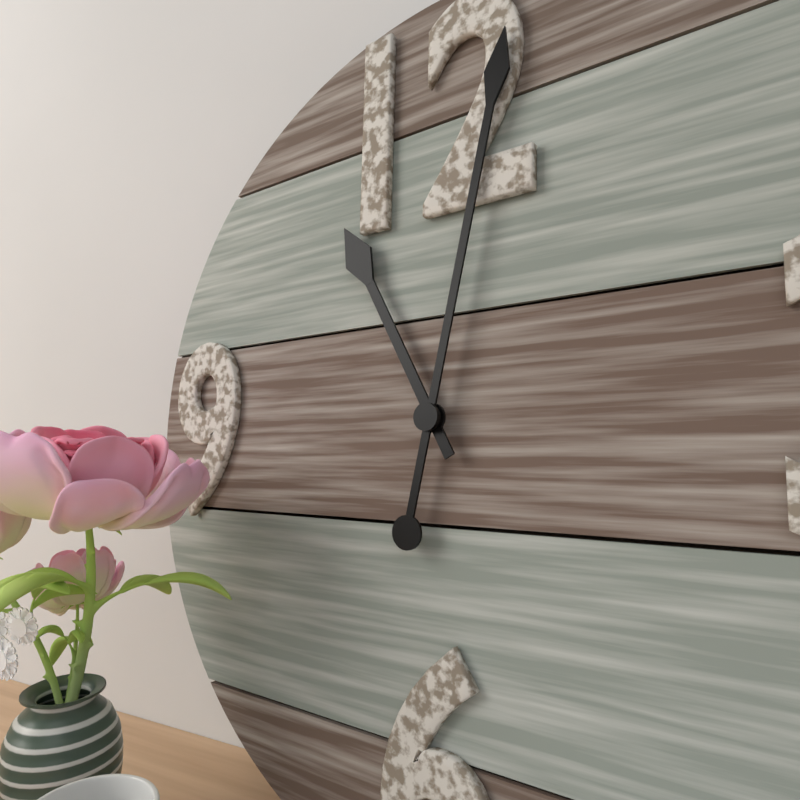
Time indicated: 11h02
